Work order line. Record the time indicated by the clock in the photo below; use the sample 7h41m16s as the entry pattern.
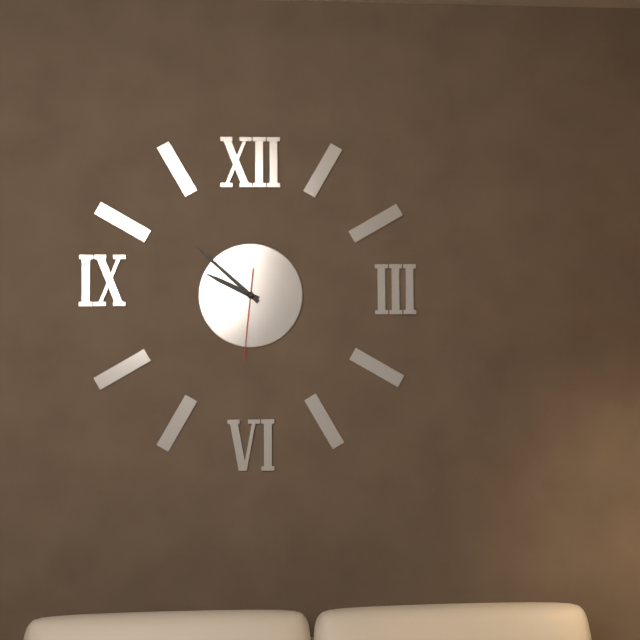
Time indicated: 9h52m31s
